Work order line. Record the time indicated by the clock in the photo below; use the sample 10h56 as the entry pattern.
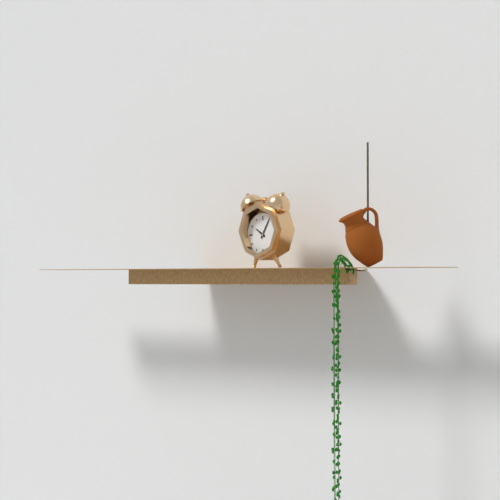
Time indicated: 10h05
